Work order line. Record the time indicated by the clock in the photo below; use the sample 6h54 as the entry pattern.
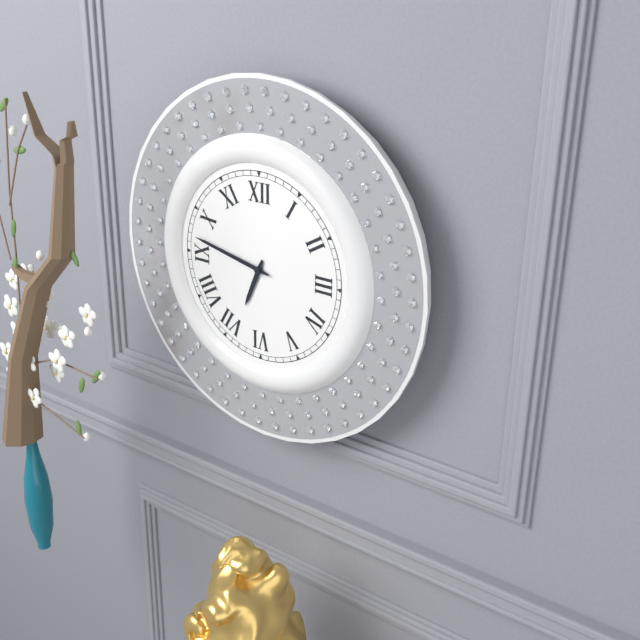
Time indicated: 6h47
